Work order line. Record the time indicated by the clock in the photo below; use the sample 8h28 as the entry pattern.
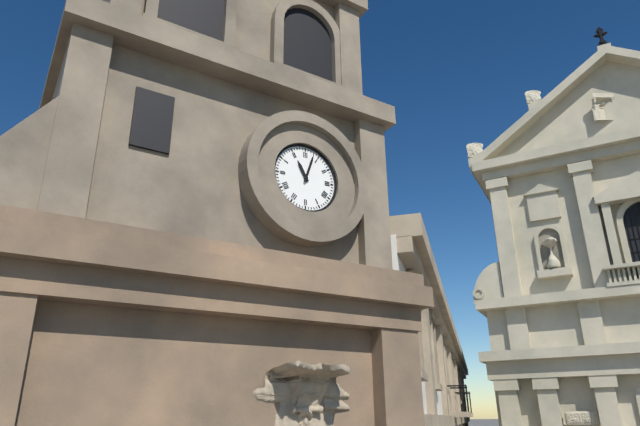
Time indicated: 11h03
